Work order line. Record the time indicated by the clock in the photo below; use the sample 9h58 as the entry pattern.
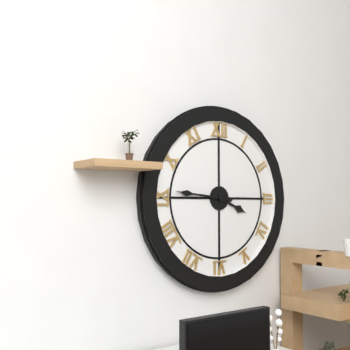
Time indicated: 3h46
